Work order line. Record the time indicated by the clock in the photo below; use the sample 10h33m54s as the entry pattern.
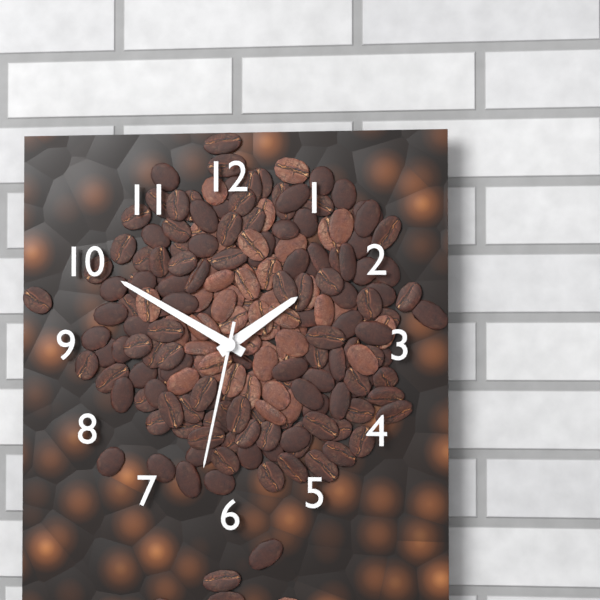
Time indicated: 1h50m32s
